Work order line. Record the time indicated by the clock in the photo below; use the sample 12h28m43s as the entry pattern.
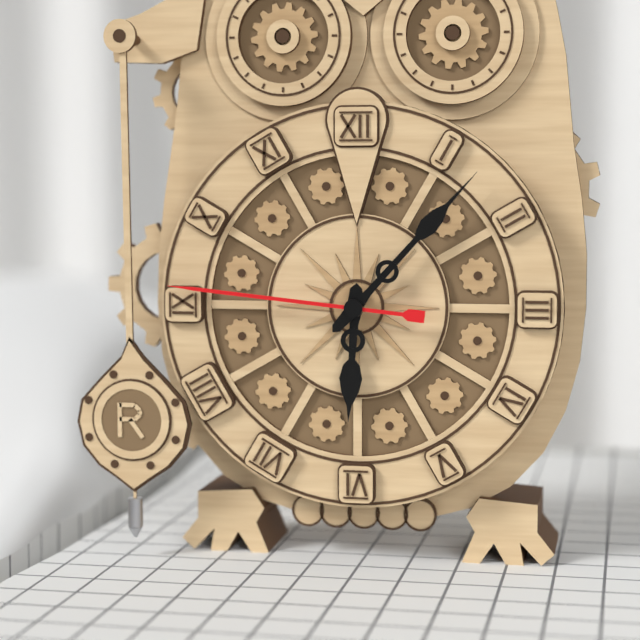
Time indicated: 6h07m46s
